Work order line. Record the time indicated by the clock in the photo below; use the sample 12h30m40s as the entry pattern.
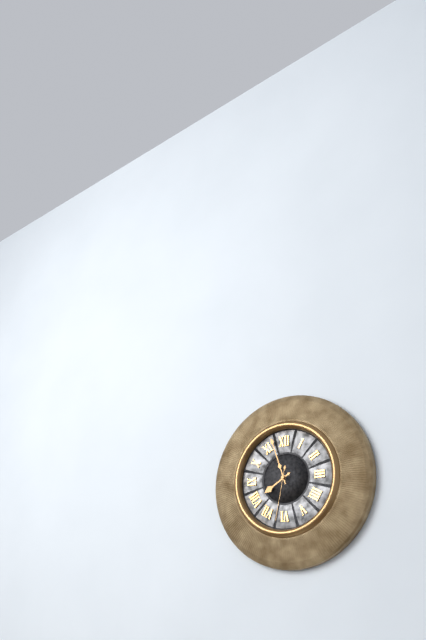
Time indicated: 7h57m32s
